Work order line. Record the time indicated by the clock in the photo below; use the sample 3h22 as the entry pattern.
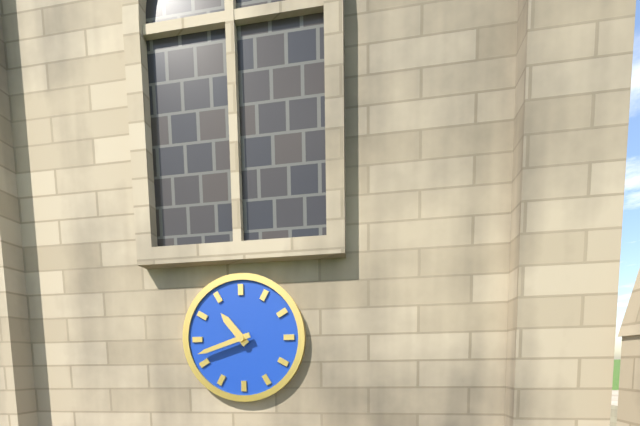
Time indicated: 10h42
